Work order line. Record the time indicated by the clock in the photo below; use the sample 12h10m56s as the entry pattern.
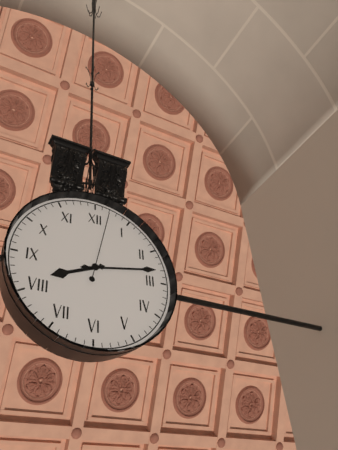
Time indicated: 8h13m02s
